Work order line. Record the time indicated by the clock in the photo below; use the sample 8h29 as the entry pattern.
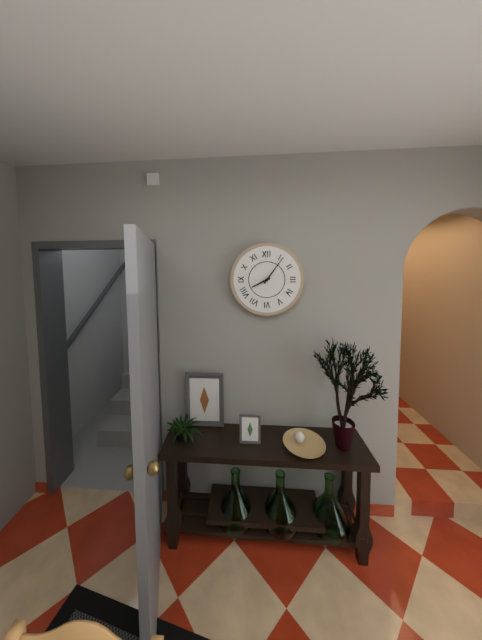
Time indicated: 8h06
